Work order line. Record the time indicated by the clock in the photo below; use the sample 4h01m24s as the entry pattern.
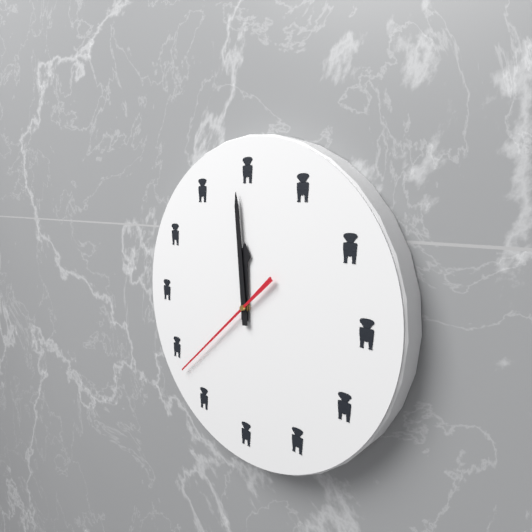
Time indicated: 11h59m38s
